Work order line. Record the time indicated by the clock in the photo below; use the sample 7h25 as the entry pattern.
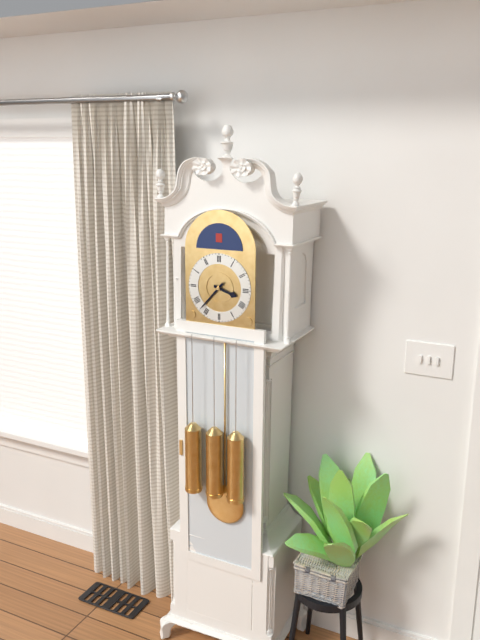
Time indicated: 3h37
